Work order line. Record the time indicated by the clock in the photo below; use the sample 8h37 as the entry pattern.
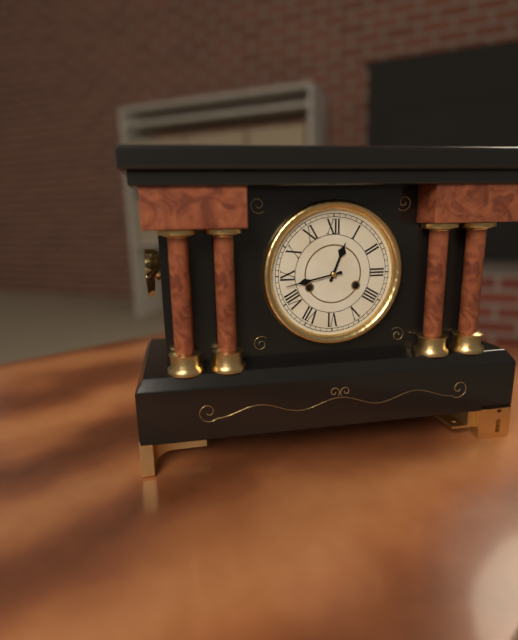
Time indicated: 12h43
